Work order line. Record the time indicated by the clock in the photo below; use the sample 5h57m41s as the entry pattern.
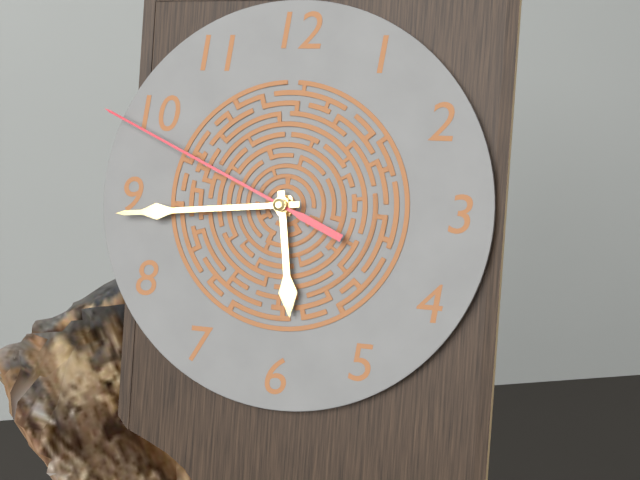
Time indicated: 5h44m49s
